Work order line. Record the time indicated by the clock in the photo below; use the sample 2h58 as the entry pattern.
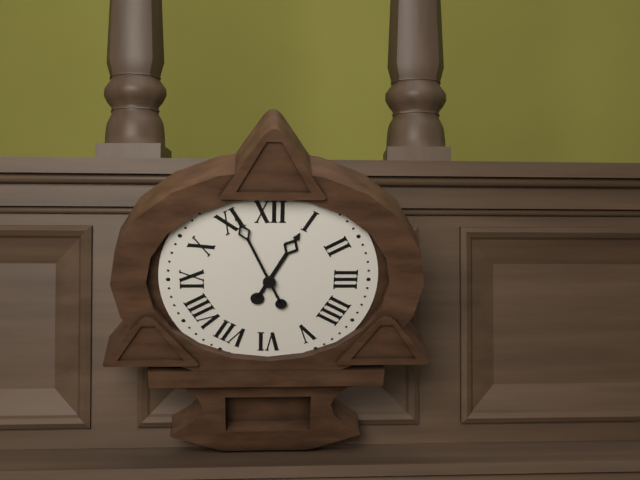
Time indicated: 12h56
